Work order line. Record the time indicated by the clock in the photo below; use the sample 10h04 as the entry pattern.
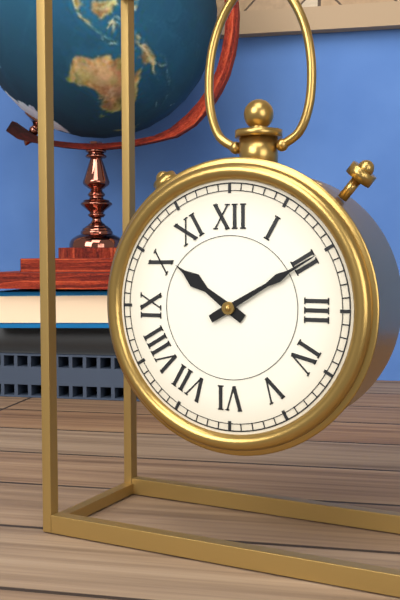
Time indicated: 10h10
